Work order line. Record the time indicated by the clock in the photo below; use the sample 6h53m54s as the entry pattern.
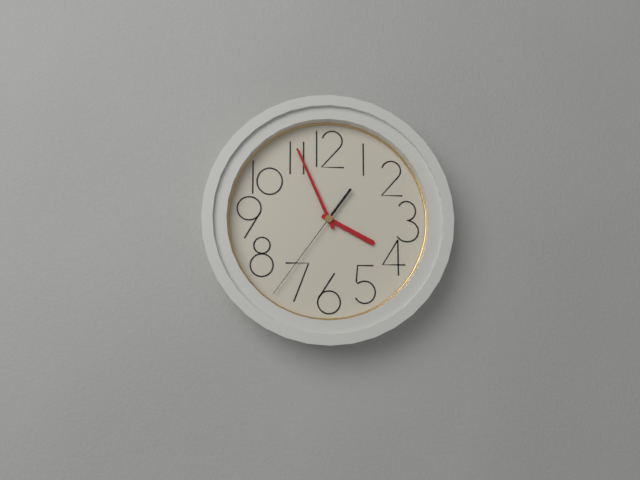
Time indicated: 3h56m36s
